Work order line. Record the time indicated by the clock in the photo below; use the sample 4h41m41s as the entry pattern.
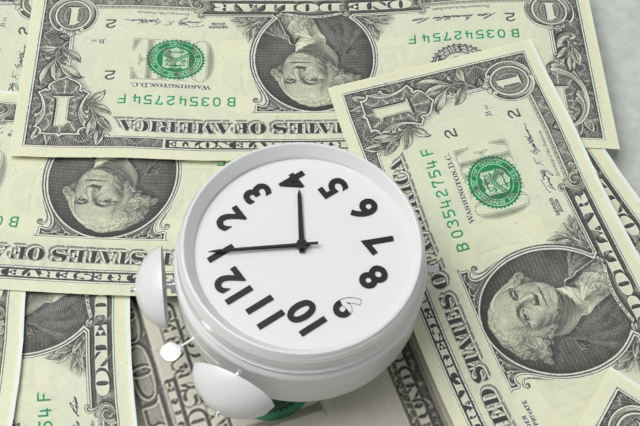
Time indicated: 4h05m05s
